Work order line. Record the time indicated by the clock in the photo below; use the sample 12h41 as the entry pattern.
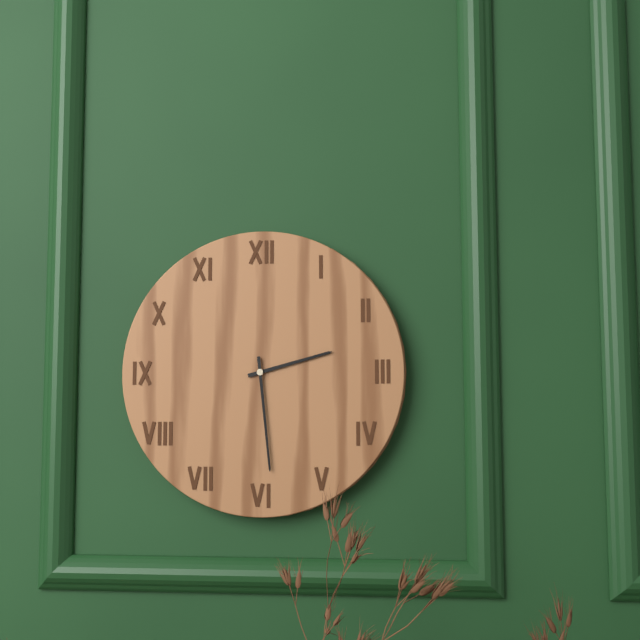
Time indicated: 2h29
